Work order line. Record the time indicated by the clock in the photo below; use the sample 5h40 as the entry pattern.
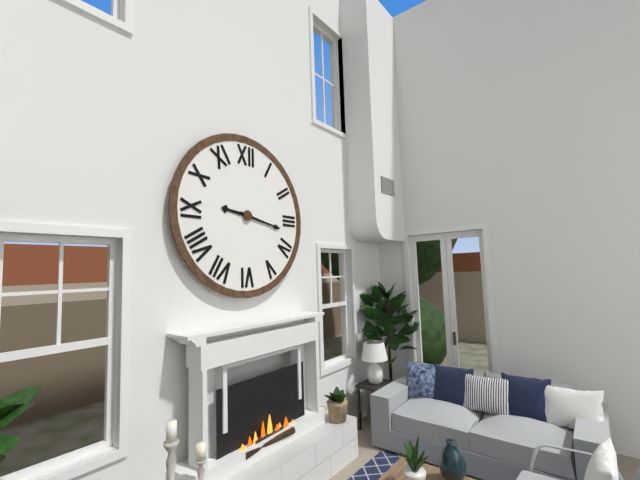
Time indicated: 9h17
